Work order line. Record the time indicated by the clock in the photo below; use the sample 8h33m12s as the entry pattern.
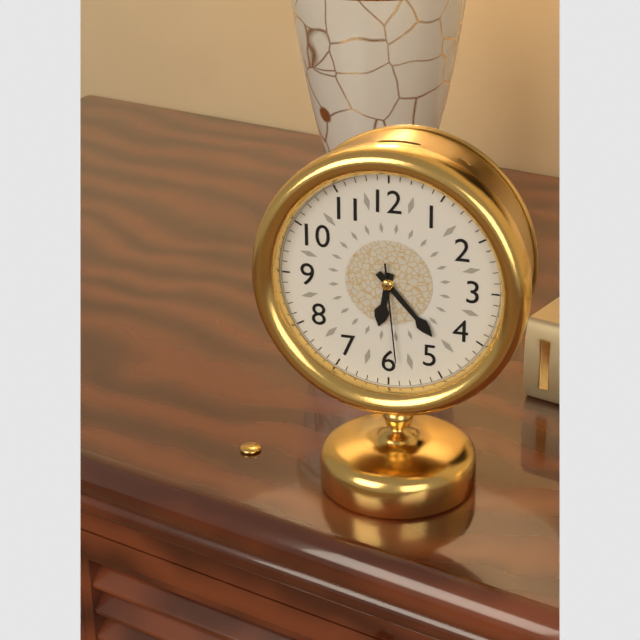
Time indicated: 6h23m29s
